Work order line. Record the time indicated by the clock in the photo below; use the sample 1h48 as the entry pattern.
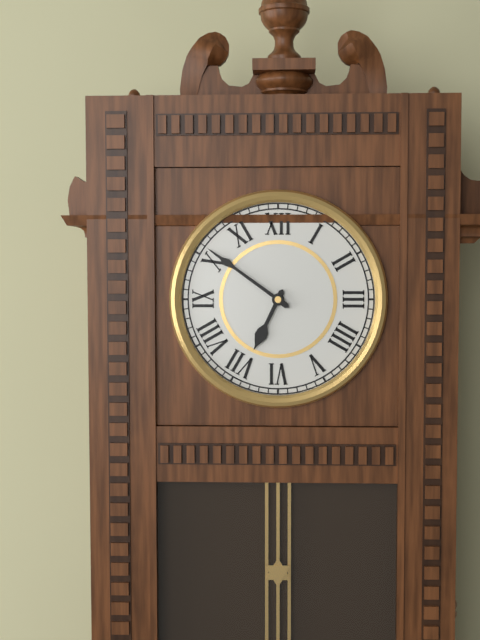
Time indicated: 6h51
